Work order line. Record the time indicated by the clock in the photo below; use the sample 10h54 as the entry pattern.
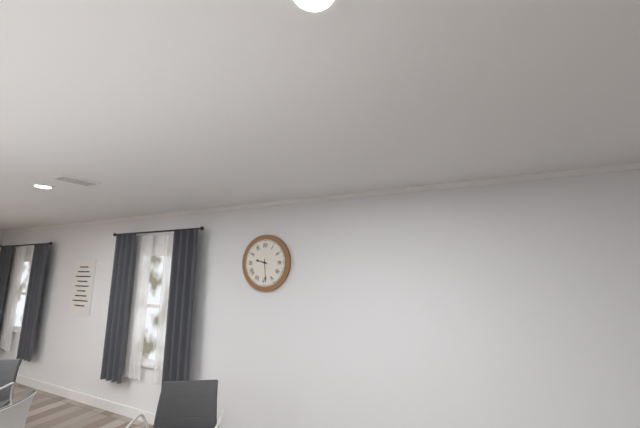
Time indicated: 9h29
